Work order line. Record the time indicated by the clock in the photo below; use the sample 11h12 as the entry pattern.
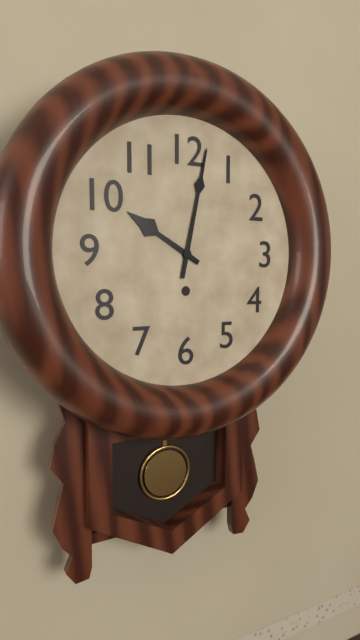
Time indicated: 10h02
